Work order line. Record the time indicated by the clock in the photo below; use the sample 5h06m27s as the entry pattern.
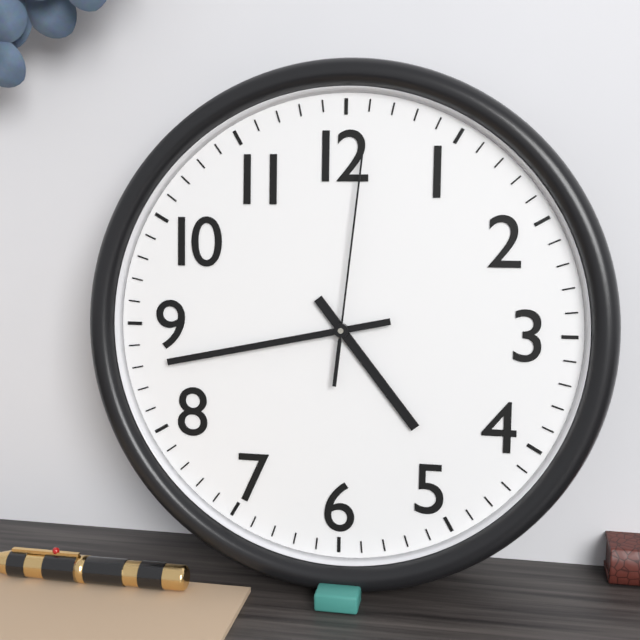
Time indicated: 4h43m01s
